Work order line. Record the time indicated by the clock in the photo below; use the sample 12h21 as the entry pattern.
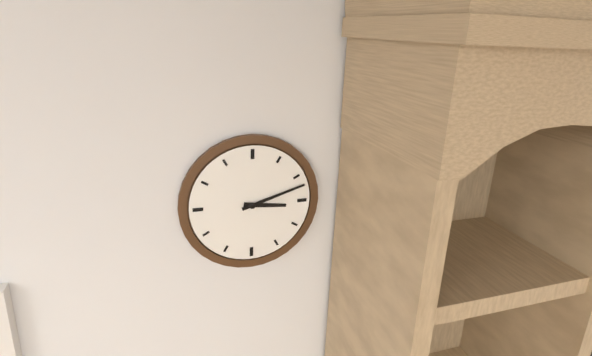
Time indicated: 3h12
